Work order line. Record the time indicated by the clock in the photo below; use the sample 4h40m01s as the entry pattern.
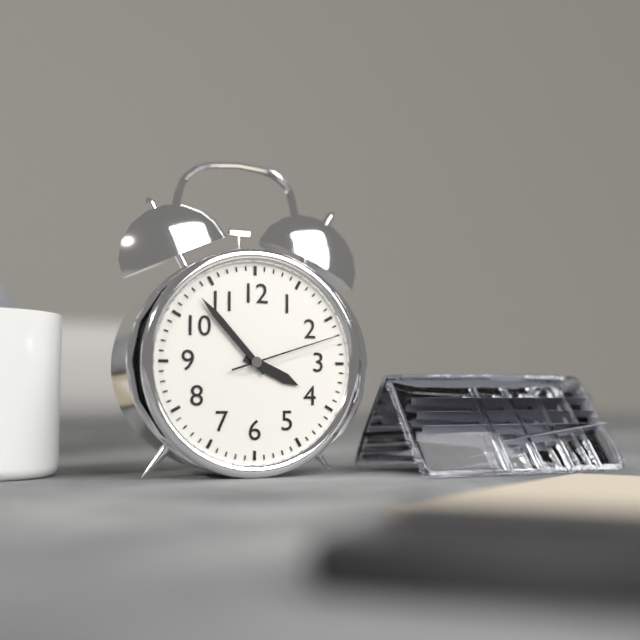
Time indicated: 3h53m12s
